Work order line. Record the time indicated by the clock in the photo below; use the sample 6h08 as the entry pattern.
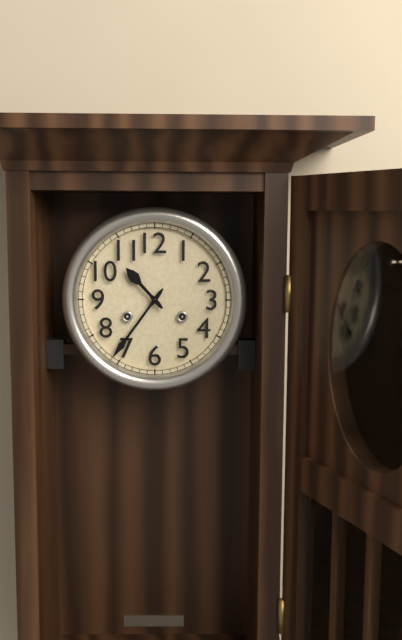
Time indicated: 10h36
